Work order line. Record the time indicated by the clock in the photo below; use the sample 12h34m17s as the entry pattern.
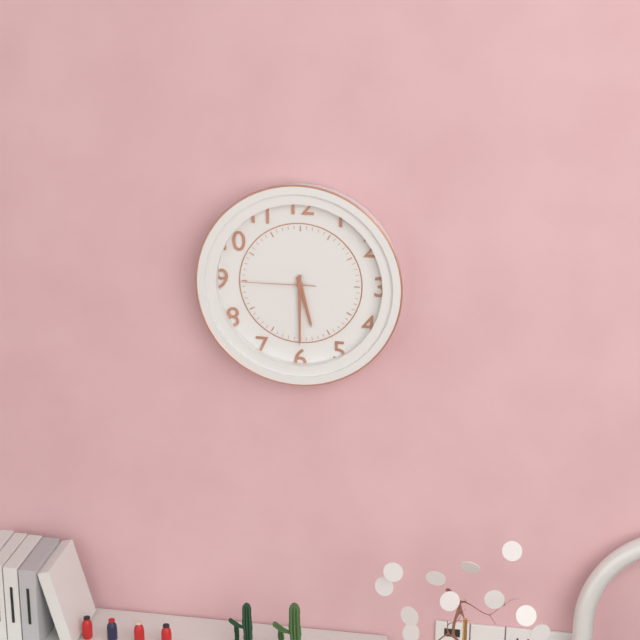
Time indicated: 5h30m45s
